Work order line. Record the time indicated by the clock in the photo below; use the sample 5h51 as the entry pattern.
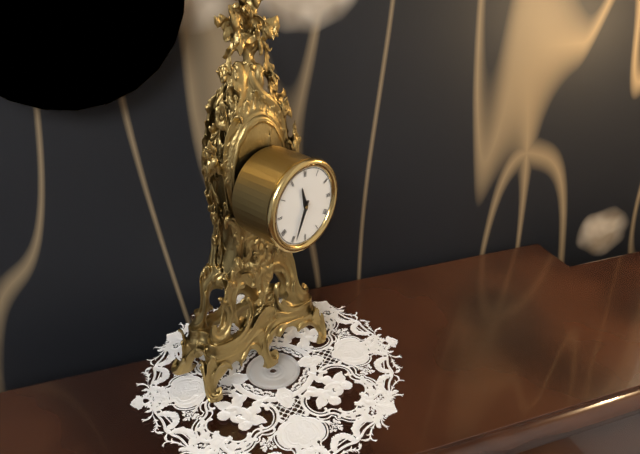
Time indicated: 11h34
